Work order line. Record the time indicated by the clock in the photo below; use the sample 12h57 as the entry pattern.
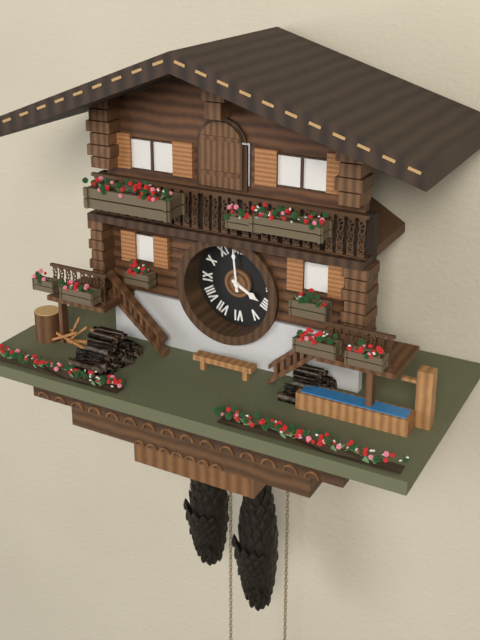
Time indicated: 3h59
